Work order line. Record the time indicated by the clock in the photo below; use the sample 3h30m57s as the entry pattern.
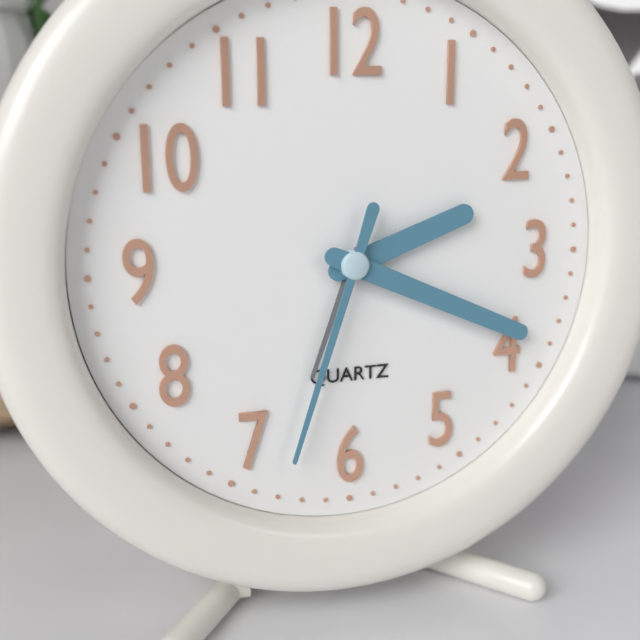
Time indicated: 2h19m33s
